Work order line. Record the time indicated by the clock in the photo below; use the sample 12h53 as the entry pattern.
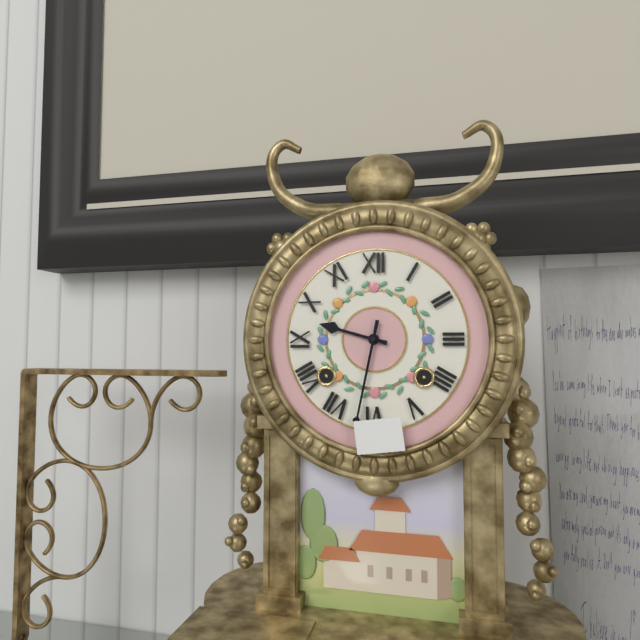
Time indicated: 9h32
